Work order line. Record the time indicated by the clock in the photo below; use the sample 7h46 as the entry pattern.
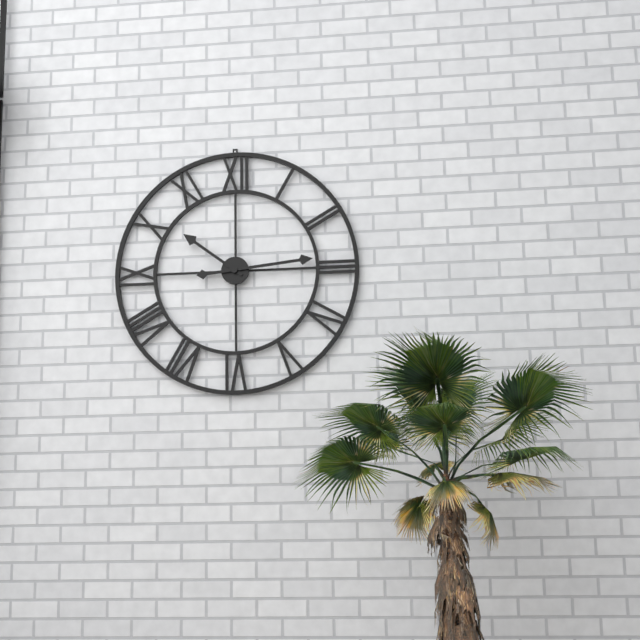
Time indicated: 10h14
